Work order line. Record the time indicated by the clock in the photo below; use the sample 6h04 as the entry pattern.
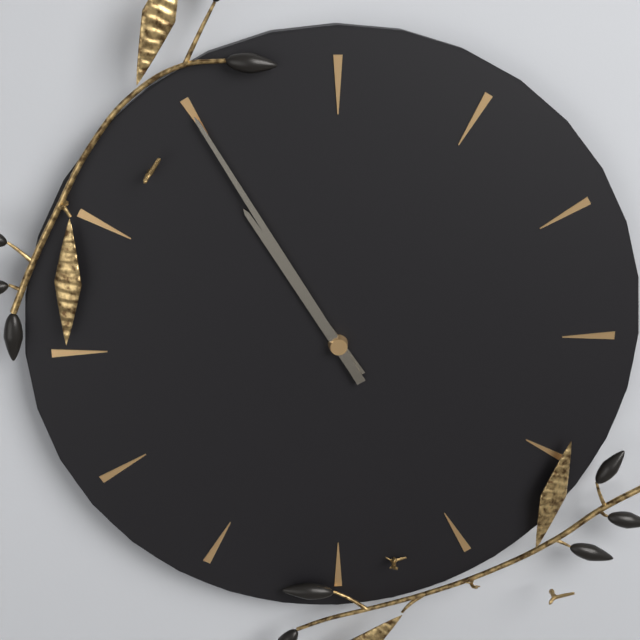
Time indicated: 10h55
